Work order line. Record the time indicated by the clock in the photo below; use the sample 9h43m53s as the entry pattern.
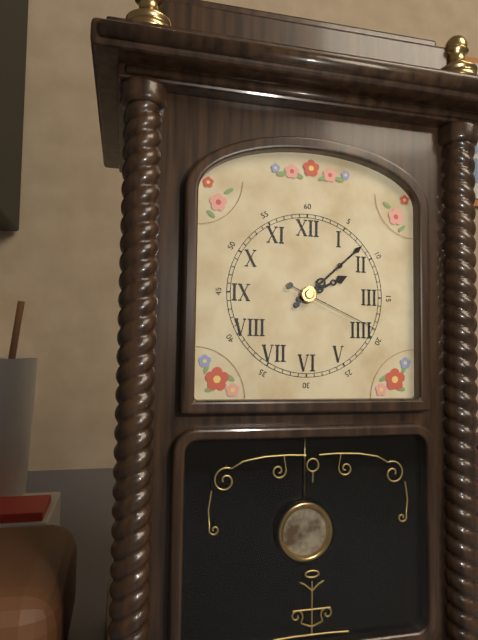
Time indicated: 2h08m19s
